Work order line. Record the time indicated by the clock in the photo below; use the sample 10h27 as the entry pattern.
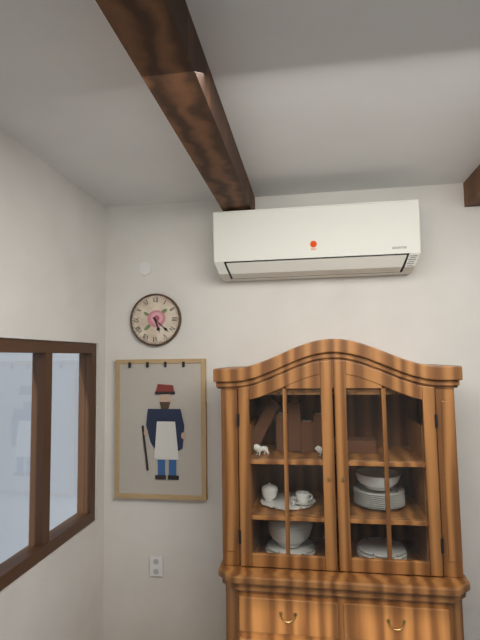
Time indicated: 5h22
